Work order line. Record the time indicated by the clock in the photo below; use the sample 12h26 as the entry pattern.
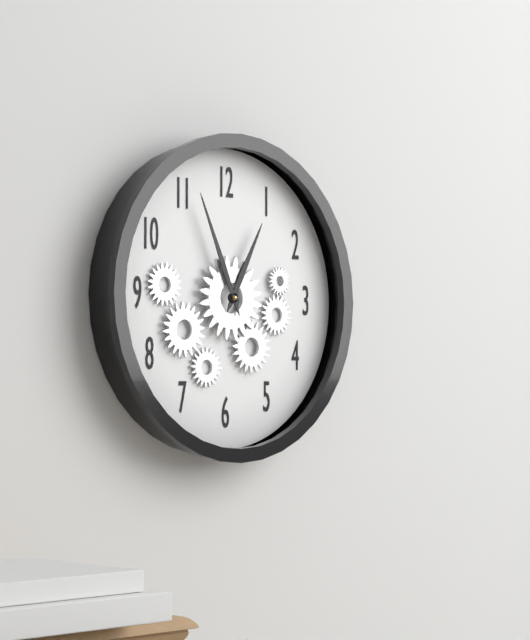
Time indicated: 12h56
